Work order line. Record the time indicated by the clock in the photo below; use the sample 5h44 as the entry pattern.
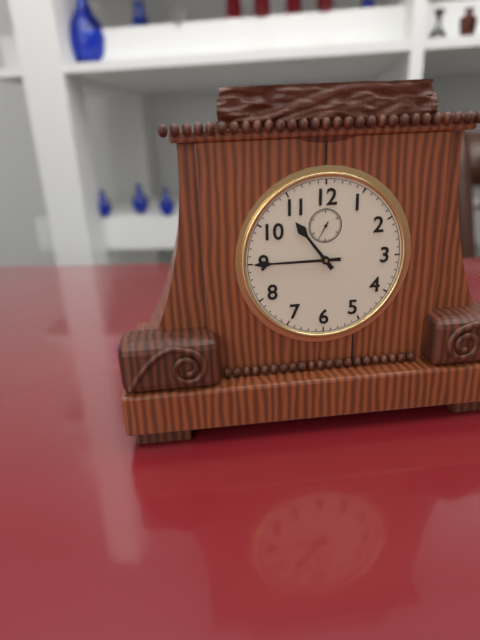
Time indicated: 10h45
